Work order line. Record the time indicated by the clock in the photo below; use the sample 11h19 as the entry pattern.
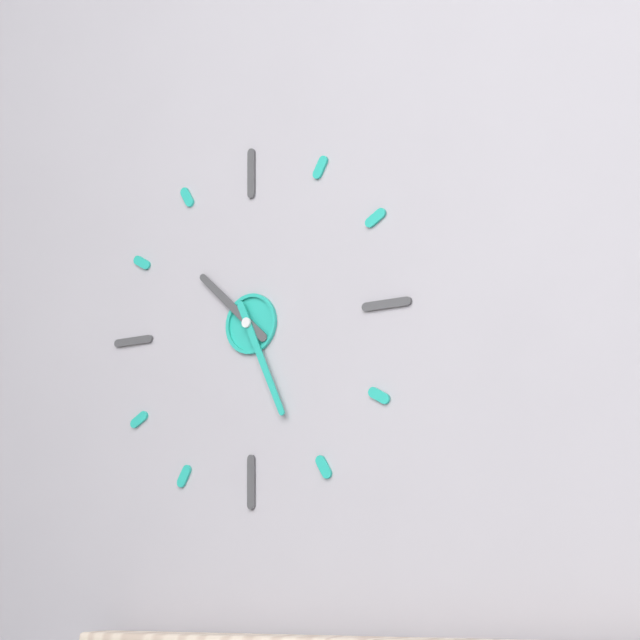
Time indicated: 10h26
